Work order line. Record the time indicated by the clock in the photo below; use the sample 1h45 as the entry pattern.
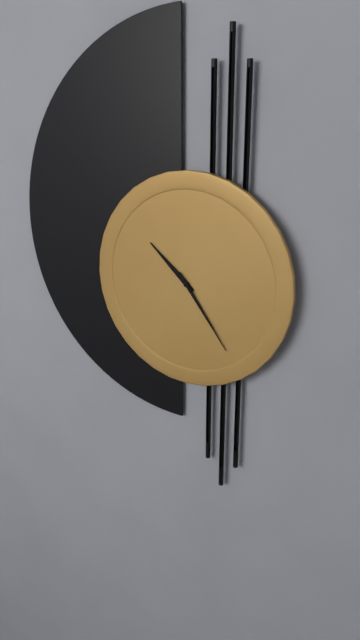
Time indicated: 10h24
